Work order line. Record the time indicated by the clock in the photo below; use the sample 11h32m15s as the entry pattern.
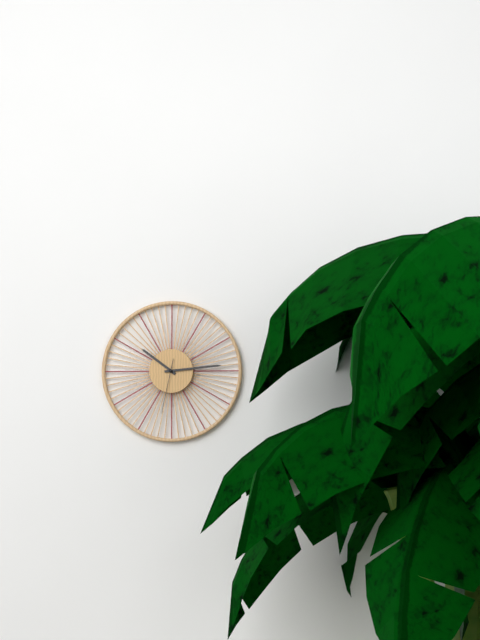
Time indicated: 10h14m32s
